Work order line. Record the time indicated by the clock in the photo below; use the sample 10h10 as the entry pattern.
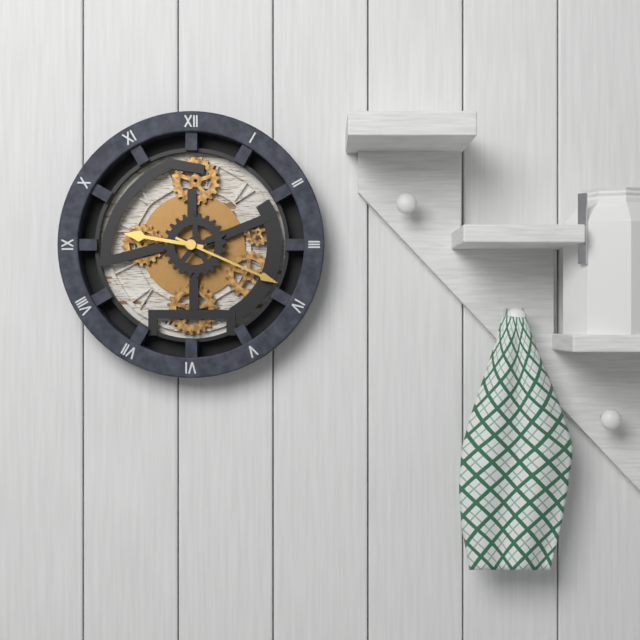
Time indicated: 9h19
